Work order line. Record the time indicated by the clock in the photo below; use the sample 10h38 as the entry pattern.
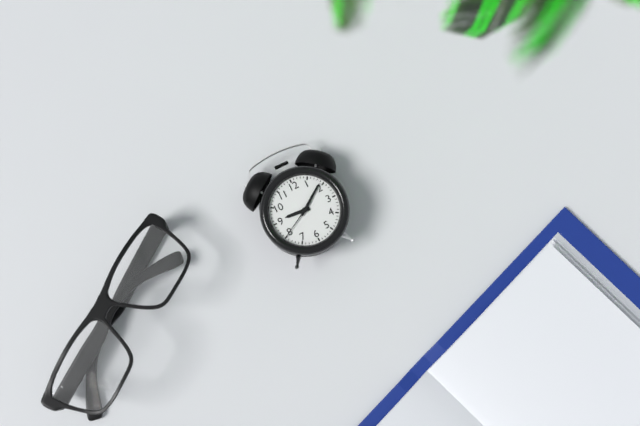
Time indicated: 9h09
